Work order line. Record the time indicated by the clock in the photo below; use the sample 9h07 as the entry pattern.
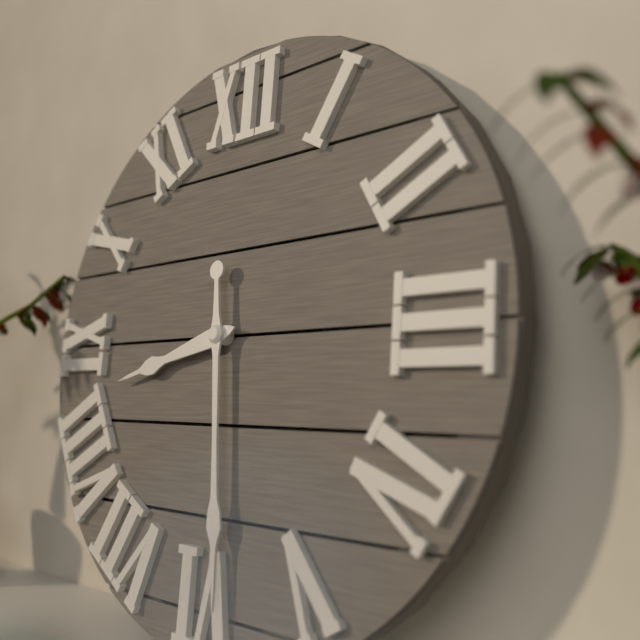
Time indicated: 8h29
